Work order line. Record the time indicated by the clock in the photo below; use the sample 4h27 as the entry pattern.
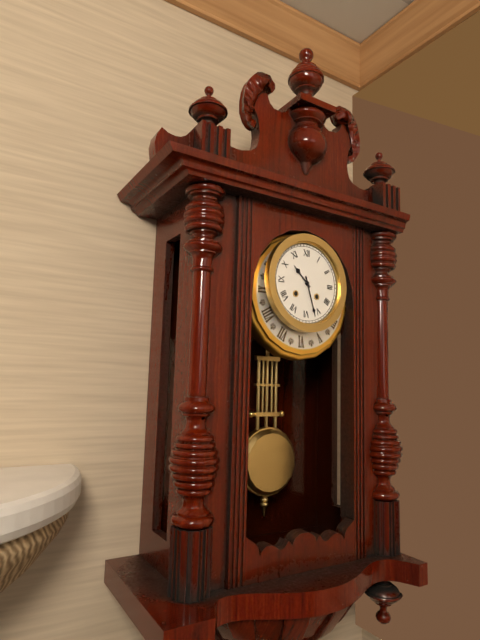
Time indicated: 10h27
